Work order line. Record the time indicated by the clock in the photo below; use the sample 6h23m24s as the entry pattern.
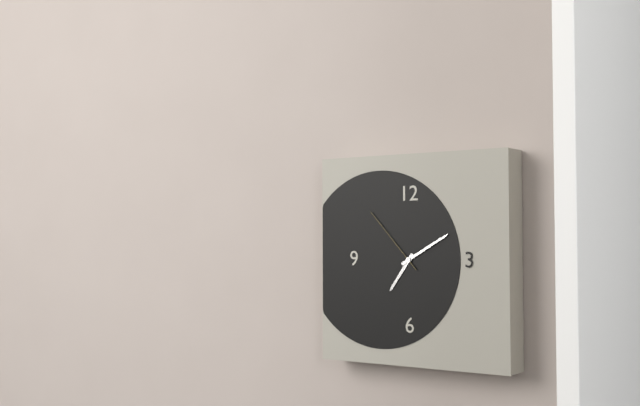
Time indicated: 7h10m53s
